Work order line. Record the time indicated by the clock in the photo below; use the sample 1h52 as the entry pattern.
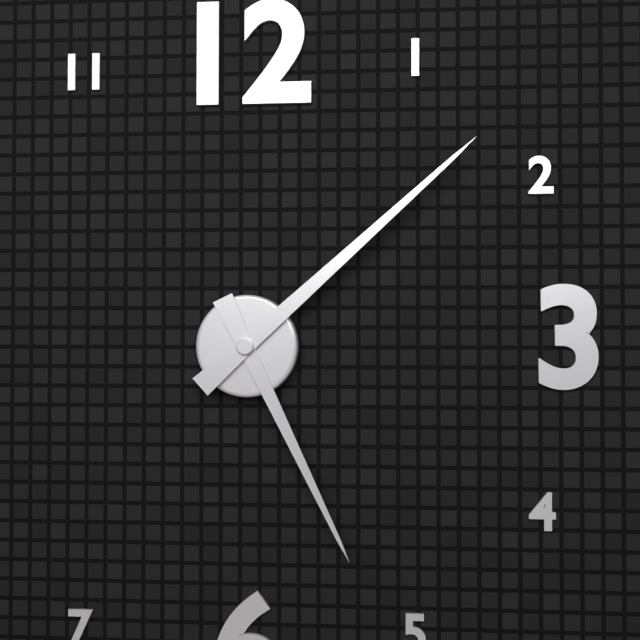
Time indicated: 5h08
